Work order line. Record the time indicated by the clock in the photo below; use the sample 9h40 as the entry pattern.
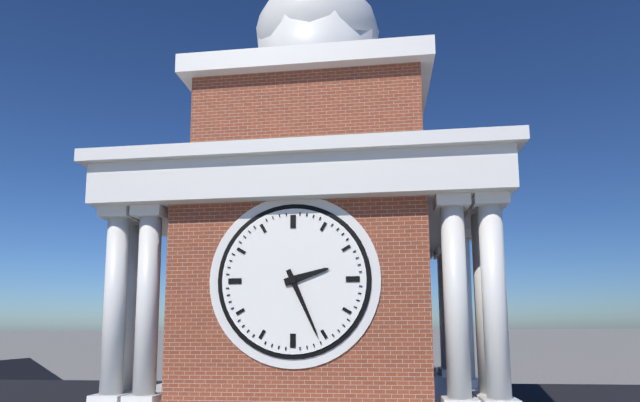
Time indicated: 2h26
